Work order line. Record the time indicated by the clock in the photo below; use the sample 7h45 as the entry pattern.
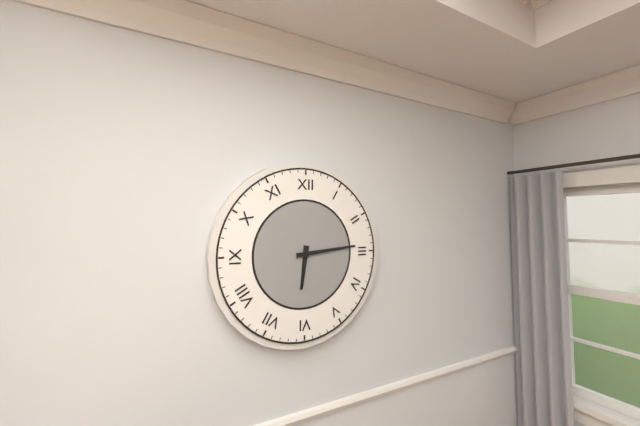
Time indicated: 6h14
